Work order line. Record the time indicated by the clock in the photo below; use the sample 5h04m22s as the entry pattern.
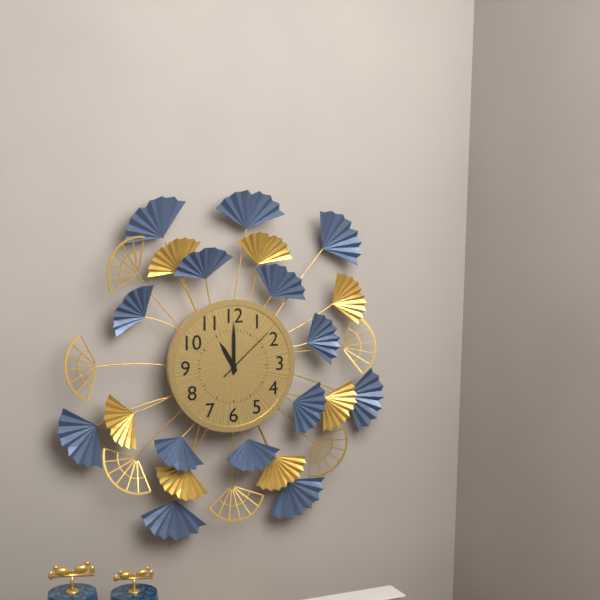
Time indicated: 11h00m08s
